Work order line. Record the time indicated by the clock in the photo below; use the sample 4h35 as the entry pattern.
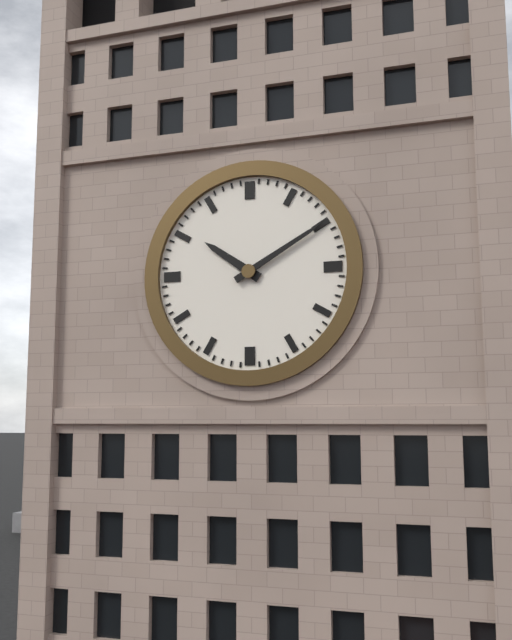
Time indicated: 10h10
